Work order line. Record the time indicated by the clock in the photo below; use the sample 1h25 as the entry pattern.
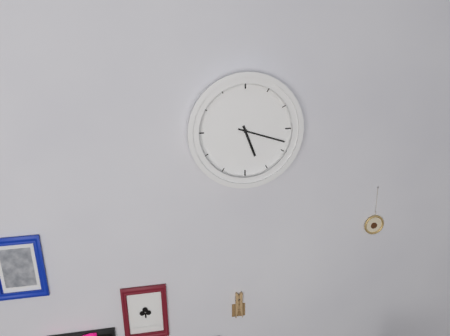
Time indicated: 5h18
